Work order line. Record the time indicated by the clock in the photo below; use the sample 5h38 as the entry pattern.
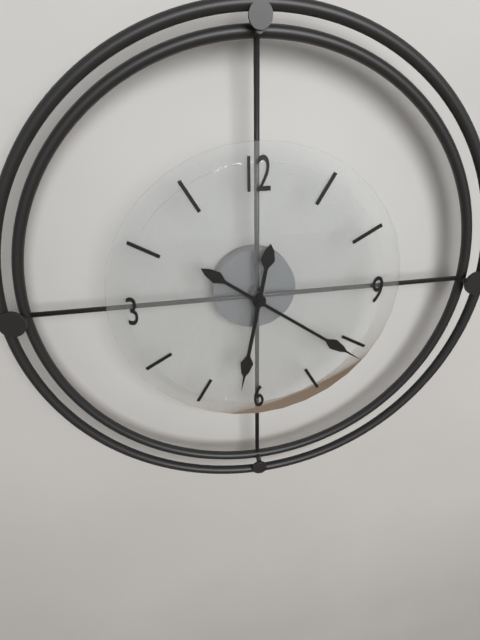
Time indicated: 6h21
